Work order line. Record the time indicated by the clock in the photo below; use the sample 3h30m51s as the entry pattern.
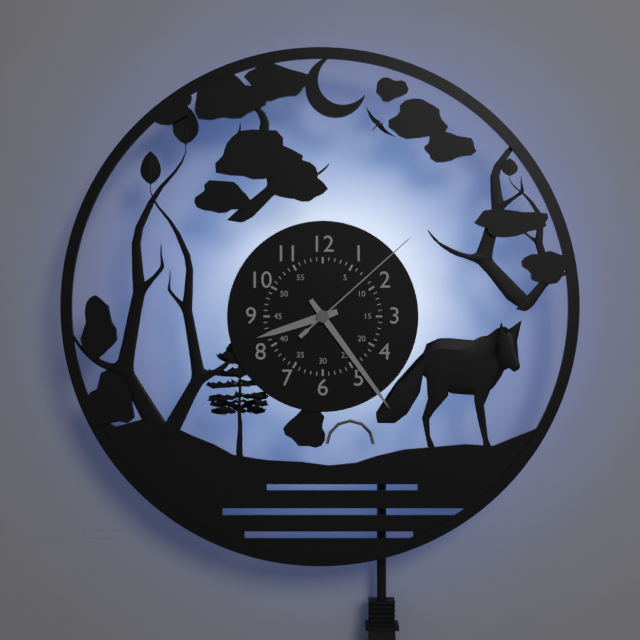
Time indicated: 8h24m08s
